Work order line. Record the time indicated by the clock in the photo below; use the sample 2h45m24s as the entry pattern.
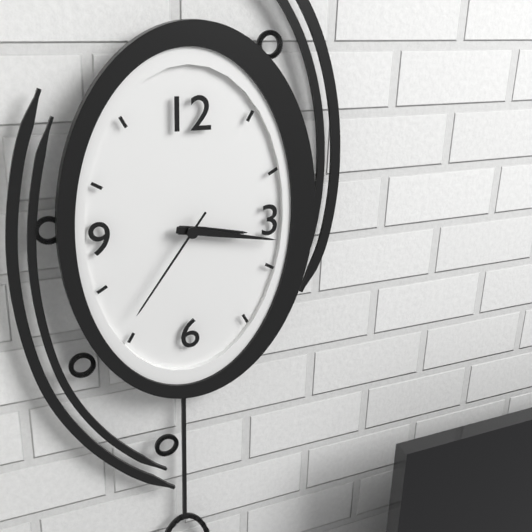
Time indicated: 3h17m36s
